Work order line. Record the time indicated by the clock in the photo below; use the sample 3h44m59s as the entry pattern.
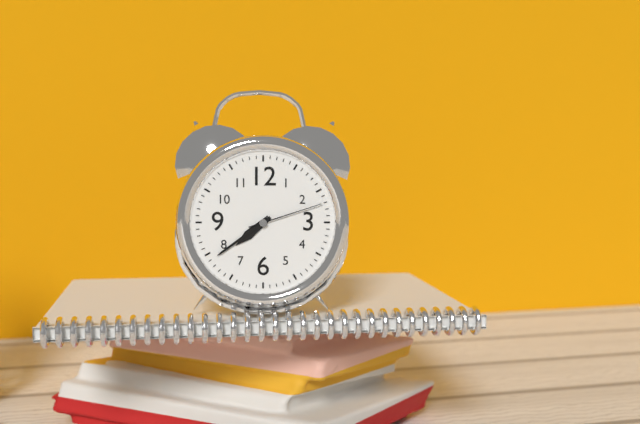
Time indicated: 7h39m12s
